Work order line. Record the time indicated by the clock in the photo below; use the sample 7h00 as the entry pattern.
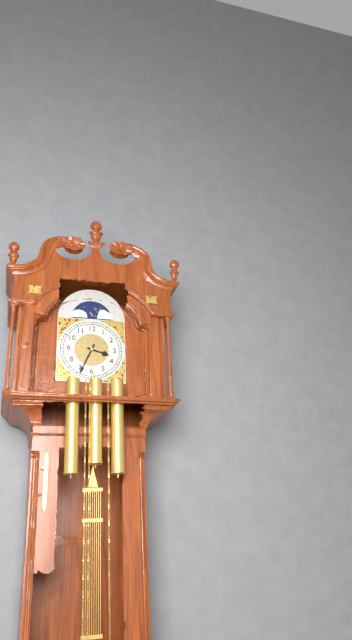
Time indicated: 3h34
